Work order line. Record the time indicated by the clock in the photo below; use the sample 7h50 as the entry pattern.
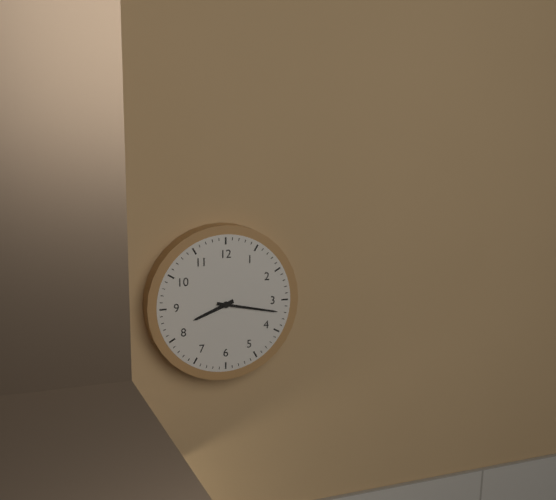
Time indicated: 8h17
